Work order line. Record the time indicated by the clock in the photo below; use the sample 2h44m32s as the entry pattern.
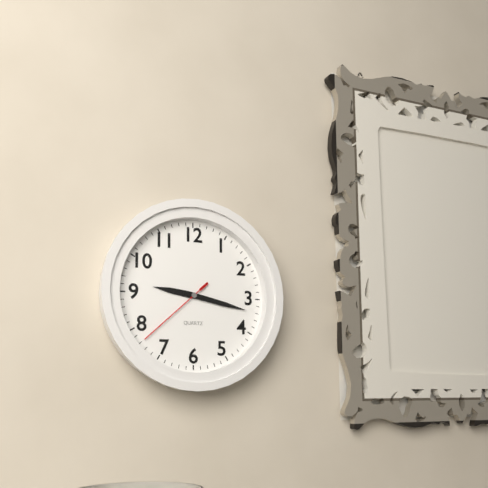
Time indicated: 9h17m38s
